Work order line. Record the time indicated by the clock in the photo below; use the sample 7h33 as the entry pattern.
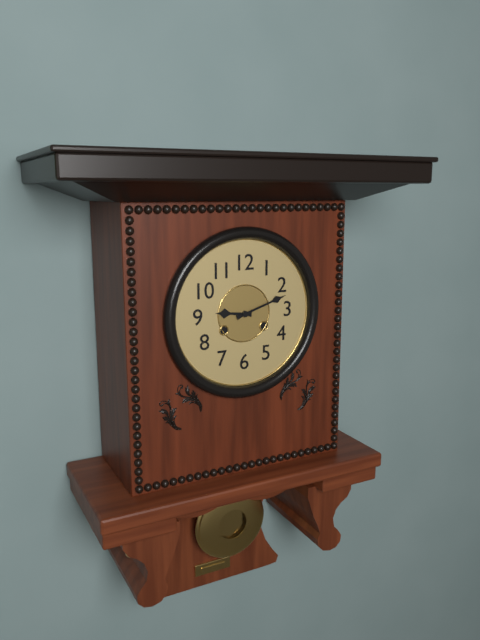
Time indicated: 9h12
